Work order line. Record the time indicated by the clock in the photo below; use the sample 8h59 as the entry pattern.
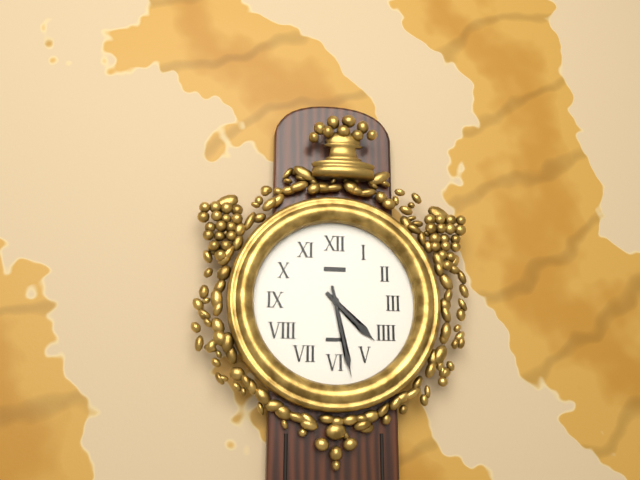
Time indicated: 4h28
